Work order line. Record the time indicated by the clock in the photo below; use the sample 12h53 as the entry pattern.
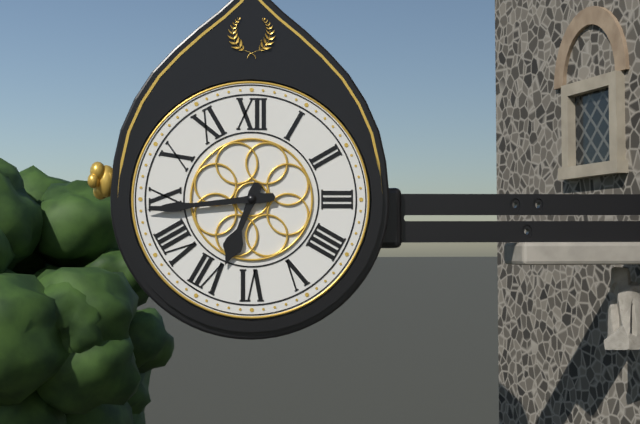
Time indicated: 6h44
